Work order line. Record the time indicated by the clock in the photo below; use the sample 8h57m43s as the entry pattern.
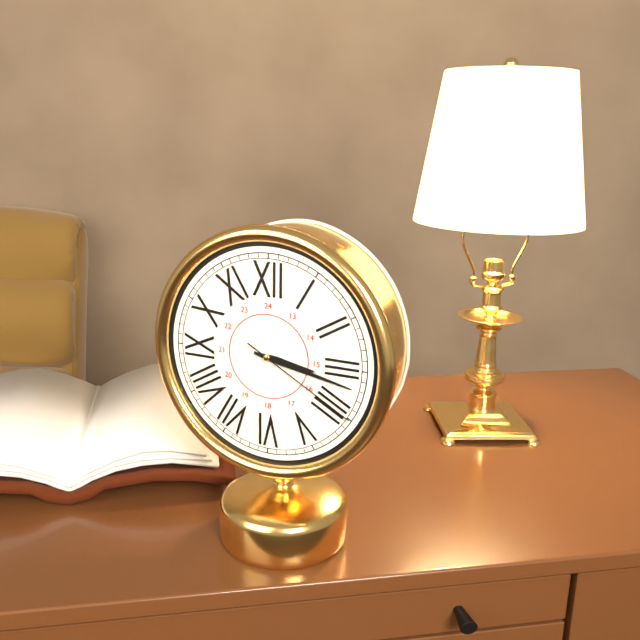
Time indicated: 3h17m20s
